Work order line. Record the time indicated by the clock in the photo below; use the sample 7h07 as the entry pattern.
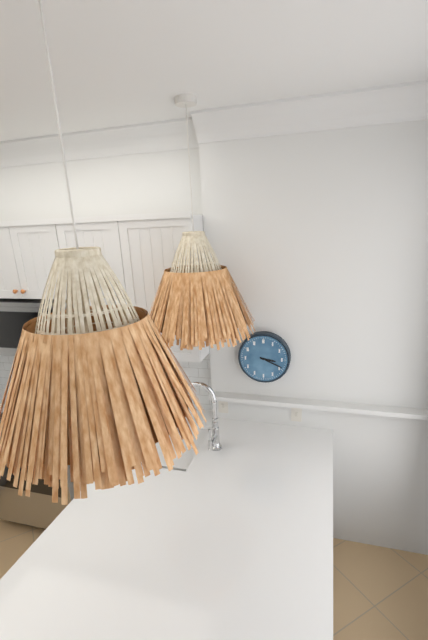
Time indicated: 3h19
